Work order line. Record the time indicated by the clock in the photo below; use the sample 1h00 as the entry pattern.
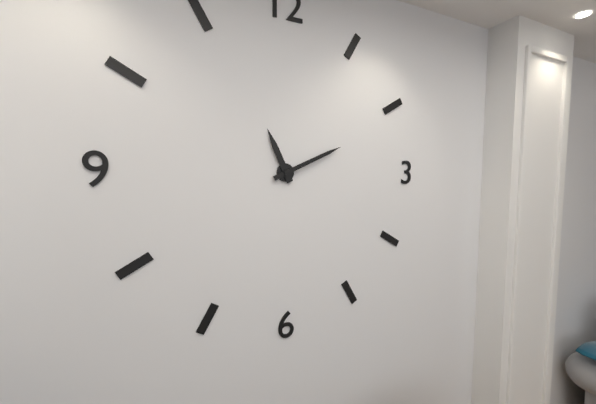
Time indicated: 11h11
